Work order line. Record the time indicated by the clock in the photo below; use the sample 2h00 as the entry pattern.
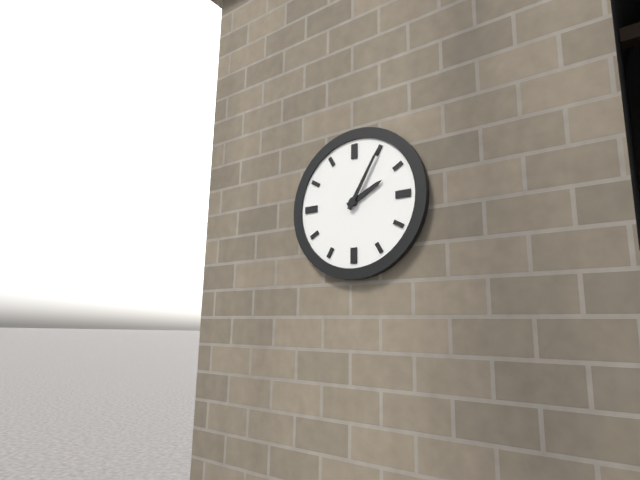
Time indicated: 2h05
